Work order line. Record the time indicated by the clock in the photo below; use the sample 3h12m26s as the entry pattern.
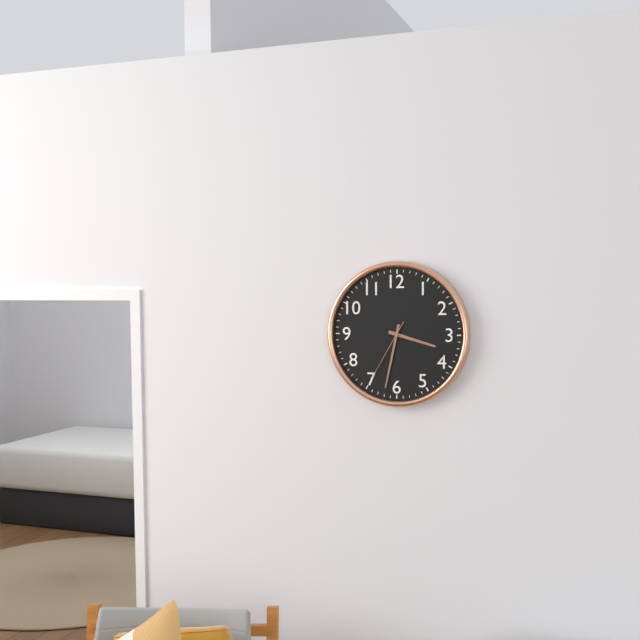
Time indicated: 3h32m35s
